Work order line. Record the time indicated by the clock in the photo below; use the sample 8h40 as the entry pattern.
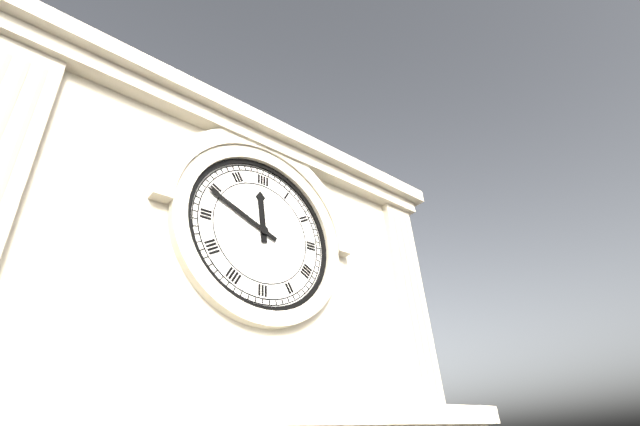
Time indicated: 11h49
